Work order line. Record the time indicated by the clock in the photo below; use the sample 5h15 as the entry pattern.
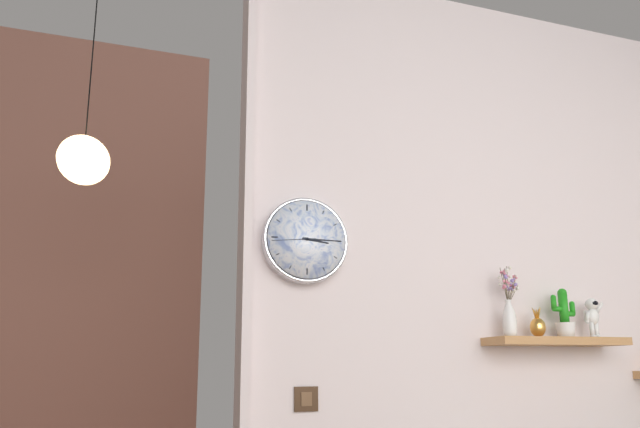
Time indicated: 3h15
